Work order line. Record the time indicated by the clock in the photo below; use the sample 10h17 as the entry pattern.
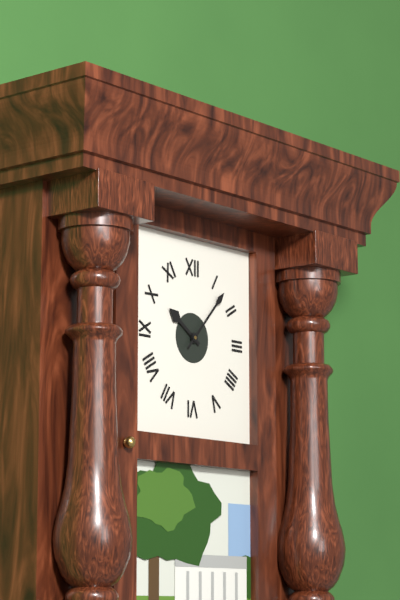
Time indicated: 10h07
